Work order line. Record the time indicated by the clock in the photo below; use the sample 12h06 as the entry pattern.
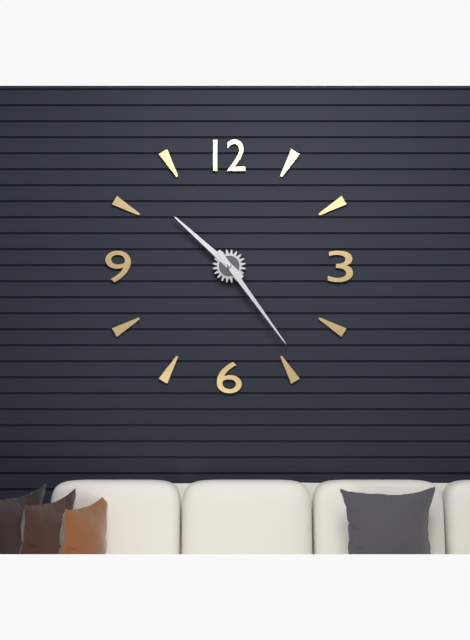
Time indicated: 10h24
